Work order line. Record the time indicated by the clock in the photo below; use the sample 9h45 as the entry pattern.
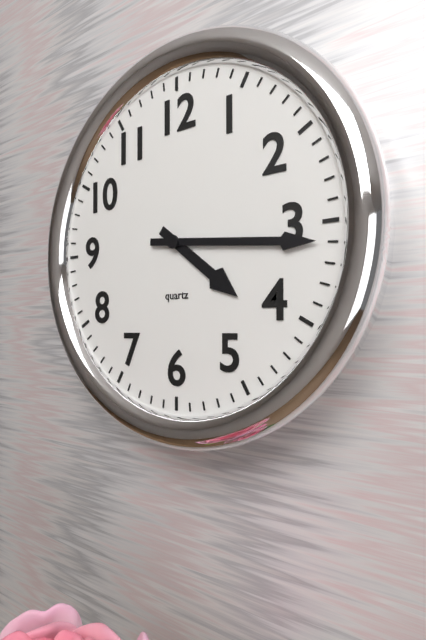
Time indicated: 4h16
